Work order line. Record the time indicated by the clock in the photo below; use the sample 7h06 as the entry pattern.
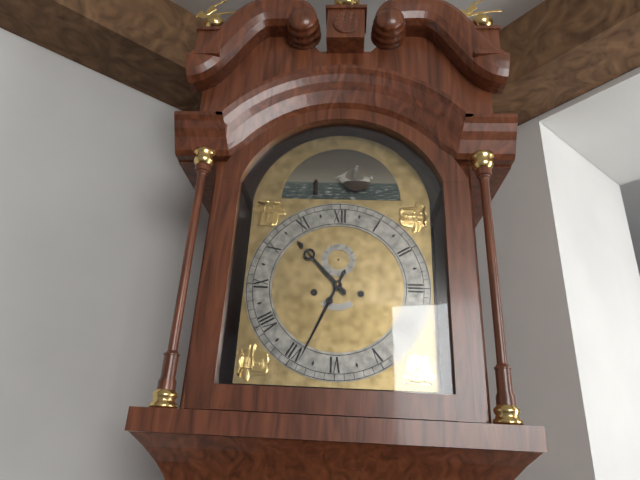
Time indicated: 10h34
